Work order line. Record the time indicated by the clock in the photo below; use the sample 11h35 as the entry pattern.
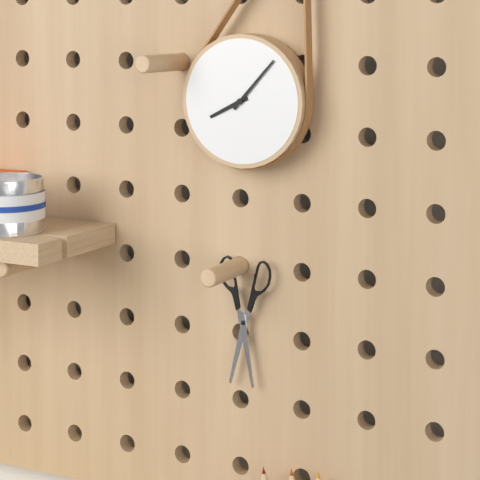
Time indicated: 8h07
